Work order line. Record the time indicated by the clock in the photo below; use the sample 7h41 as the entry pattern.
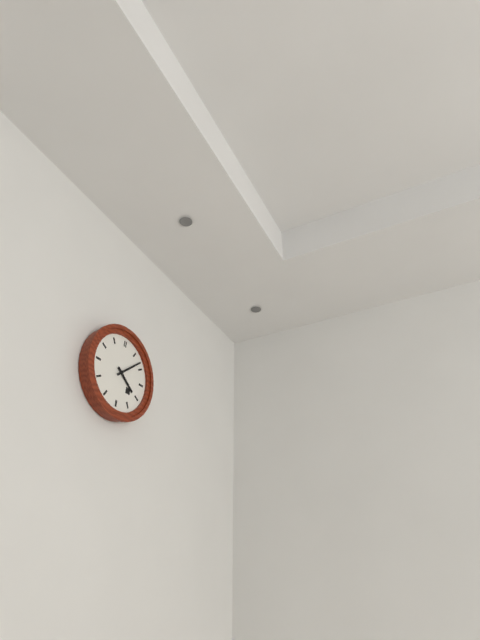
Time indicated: 4h08
